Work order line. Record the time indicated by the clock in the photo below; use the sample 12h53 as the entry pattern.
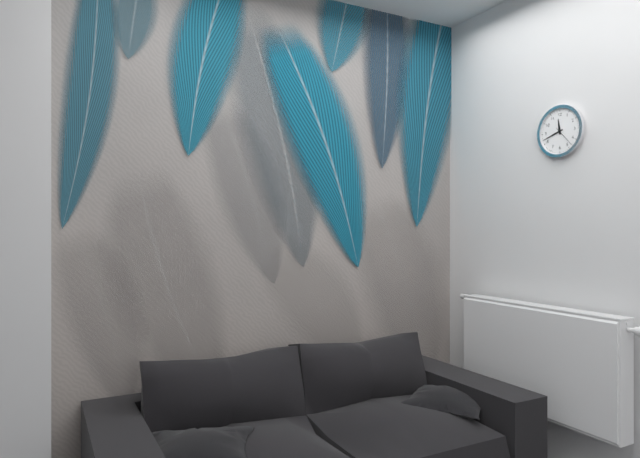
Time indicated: 11h42
